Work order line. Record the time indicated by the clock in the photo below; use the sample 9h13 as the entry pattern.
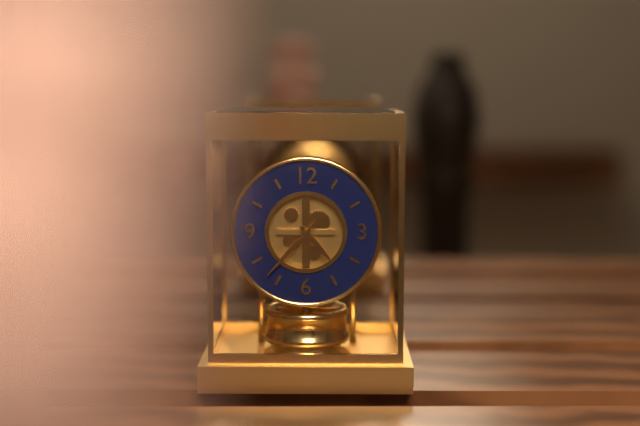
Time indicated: 4h37
